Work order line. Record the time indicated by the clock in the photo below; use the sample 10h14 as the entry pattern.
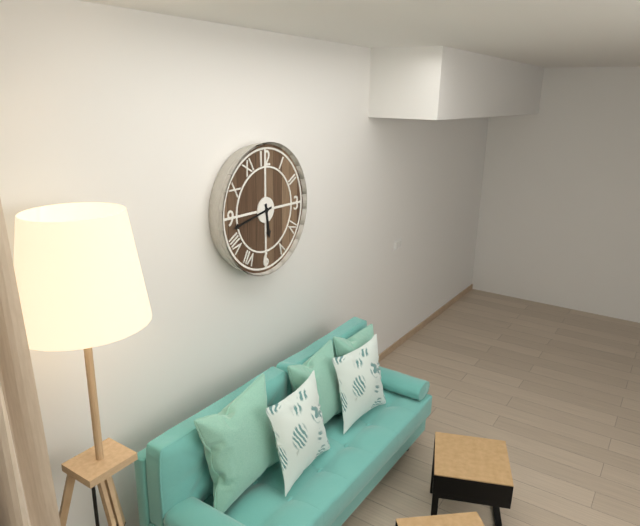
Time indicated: 5h43
